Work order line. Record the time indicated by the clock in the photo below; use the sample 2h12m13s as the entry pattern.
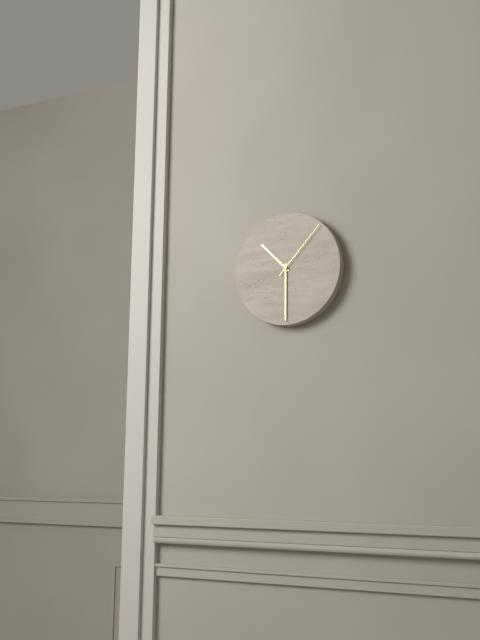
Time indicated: 10h30m07s
